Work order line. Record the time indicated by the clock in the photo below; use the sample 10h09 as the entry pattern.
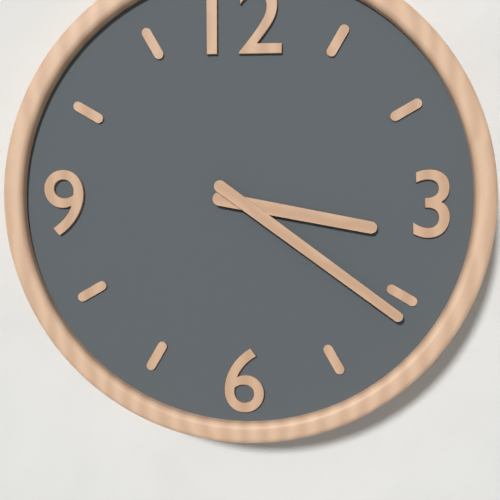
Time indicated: 3h21
